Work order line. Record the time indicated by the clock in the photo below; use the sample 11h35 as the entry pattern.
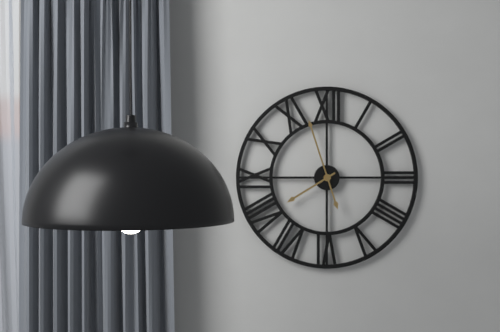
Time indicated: 7h57
